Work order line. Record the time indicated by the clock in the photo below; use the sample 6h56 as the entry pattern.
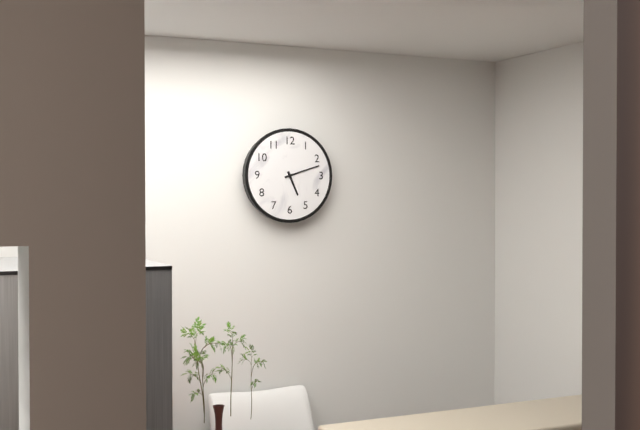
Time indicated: 5h12
